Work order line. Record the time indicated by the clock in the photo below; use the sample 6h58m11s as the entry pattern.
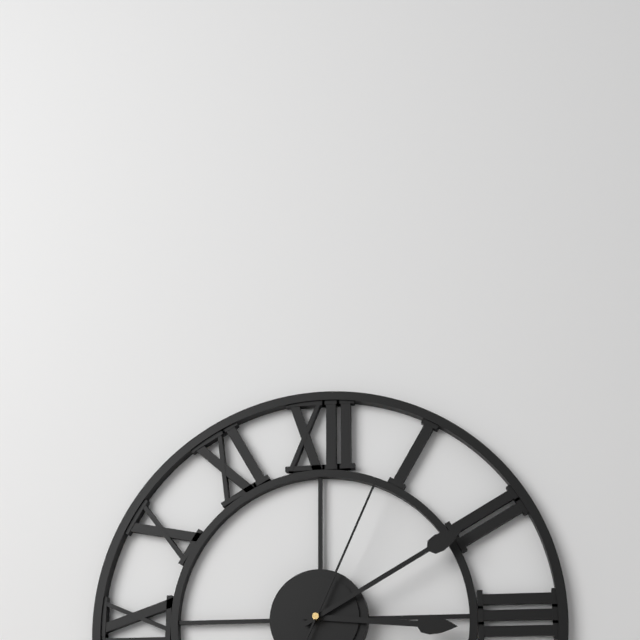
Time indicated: 3h10m04s
